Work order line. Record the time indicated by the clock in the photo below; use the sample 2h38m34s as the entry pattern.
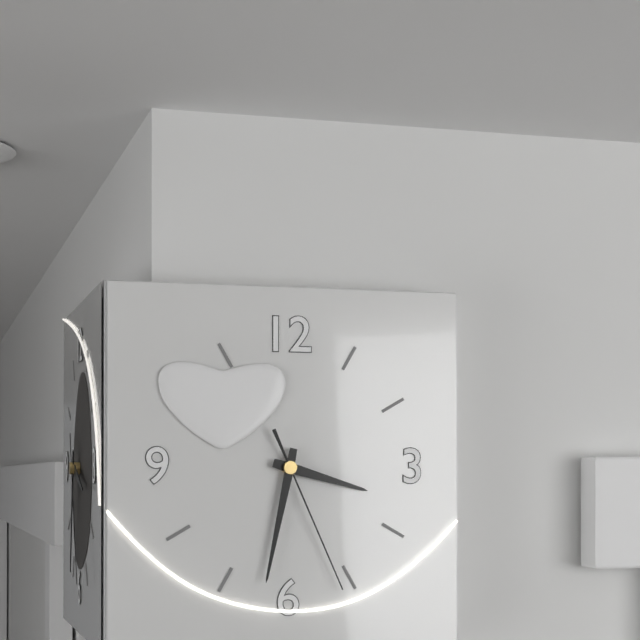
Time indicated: 3h32m26s
